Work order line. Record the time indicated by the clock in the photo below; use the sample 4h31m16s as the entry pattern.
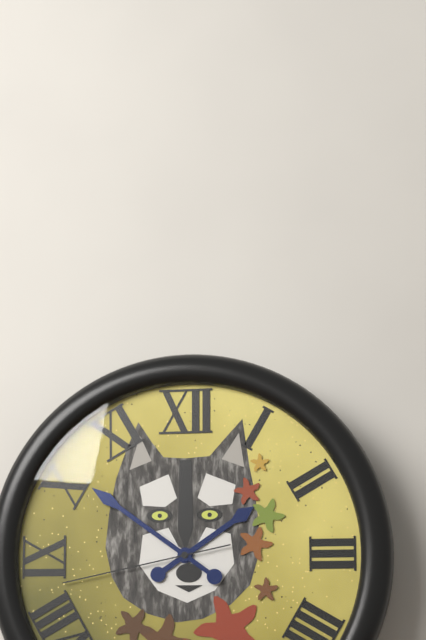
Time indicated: 1h51m43s
